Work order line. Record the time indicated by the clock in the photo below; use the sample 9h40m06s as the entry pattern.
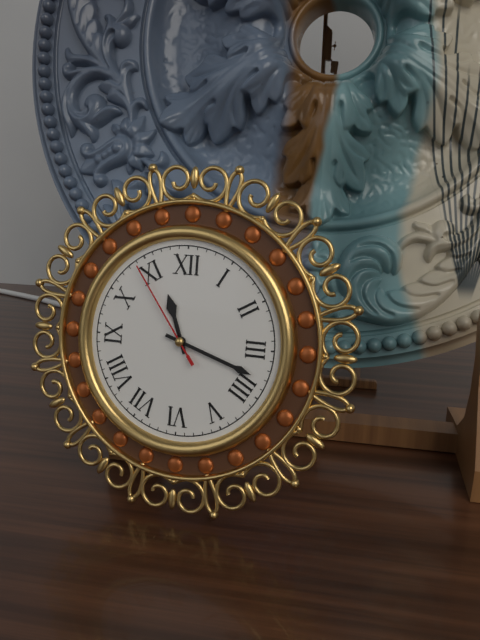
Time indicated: 11h18m54s
